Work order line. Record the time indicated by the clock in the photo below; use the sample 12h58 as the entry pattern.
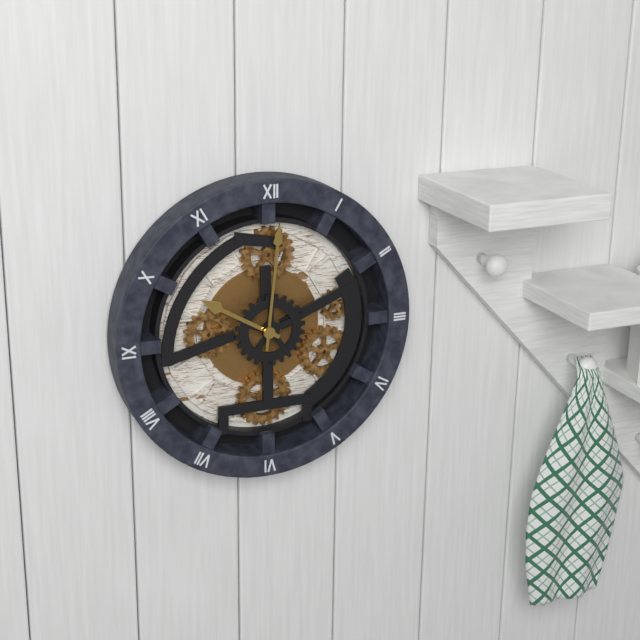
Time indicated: 10h01
